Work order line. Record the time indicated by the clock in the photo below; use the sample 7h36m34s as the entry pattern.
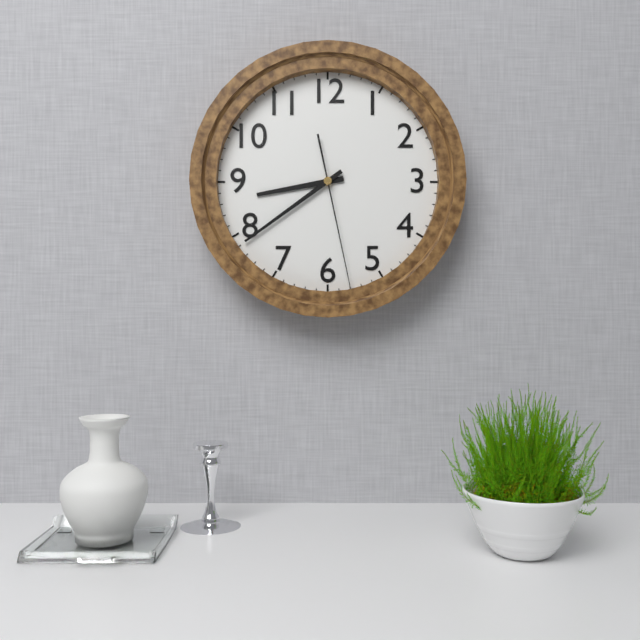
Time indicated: 8h39m28s
